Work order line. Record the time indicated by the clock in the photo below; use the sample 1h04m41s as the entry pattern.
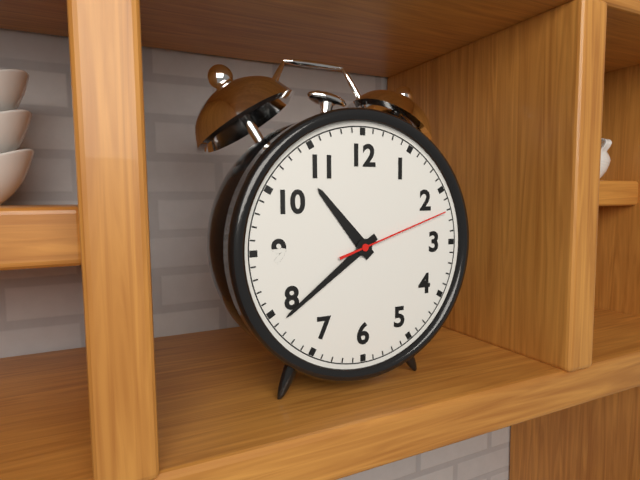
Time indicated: 10h39m12s
